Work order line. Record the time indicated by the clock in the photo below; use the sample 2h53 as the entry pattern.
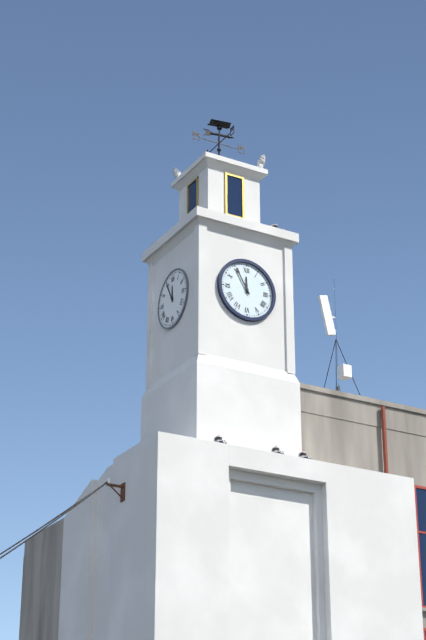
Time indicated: 11h55
